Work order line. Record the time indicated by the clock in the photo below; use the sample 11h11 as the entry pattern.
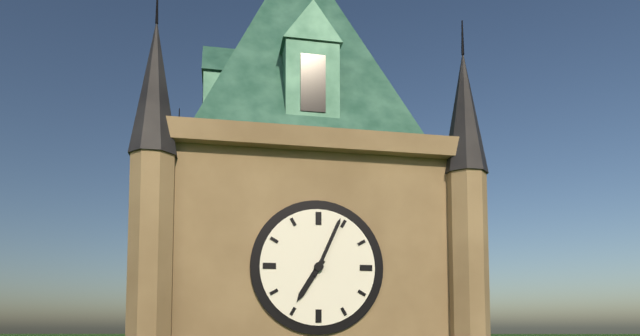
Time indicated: 7h04
